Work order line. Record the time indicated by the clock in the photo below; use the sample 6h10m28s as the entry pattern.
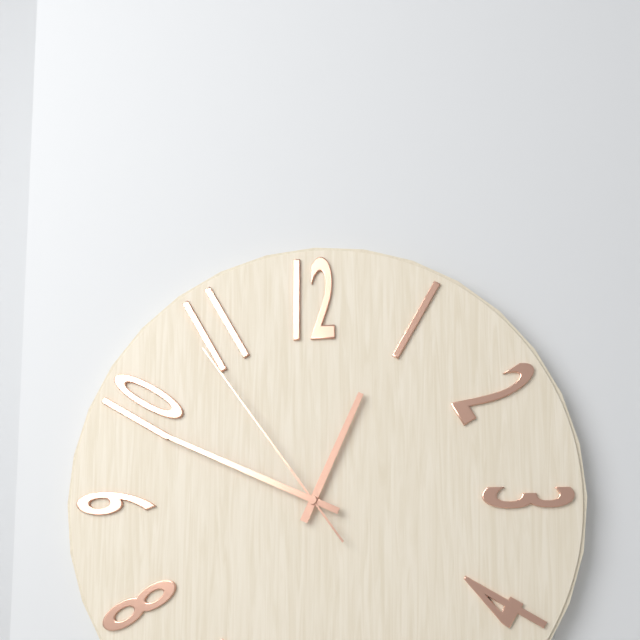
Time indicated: 12h49m54s
